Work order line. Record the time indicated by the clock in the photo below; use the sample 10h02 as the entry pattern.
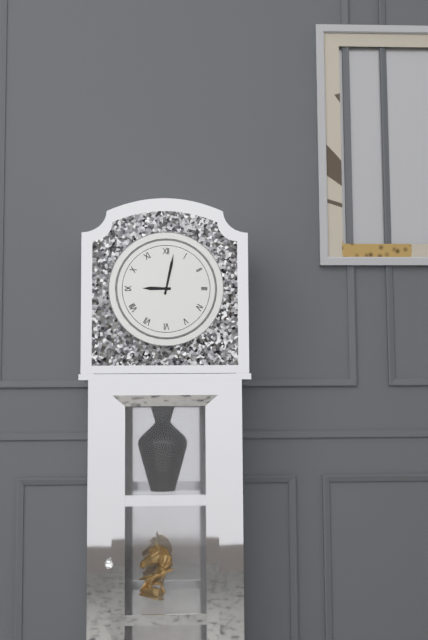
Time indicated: 9h02
